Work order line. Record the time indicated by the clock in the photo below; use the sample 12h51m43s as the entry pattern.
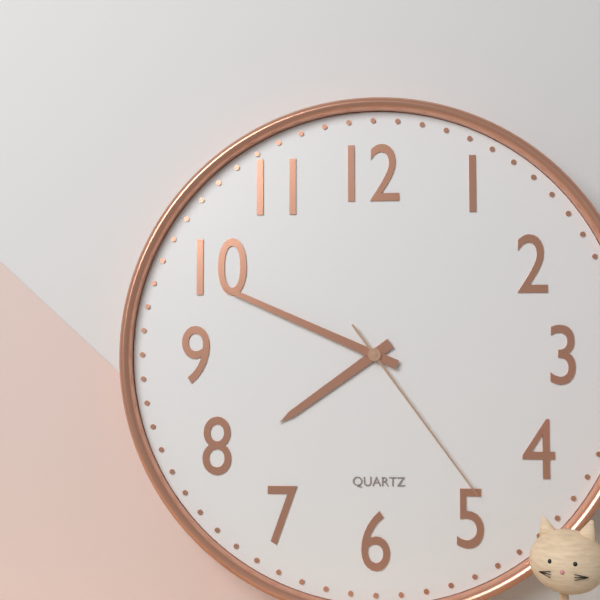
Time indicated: 7h49m24s
